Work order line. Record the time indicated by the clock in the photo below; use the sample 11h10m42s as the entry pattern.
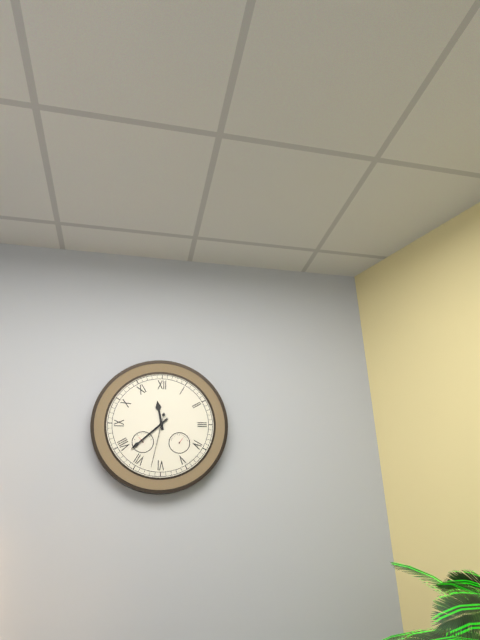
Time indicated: 11h38m32s
